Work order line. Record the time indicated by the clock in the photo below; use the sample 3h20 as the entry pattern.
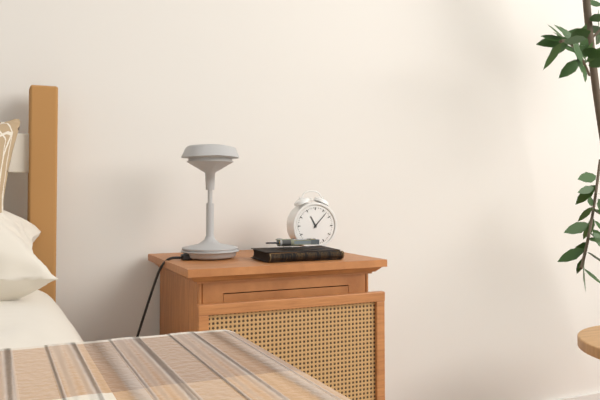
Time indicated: 11h07
